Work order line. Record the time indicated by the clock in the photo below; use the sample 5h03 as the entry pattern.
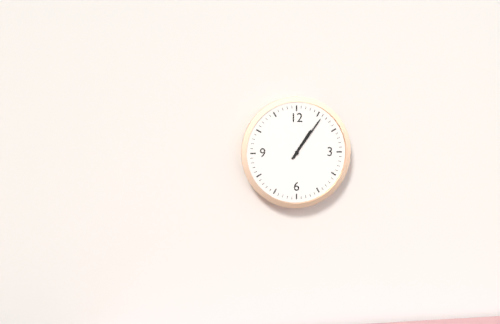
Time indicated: 1h06
